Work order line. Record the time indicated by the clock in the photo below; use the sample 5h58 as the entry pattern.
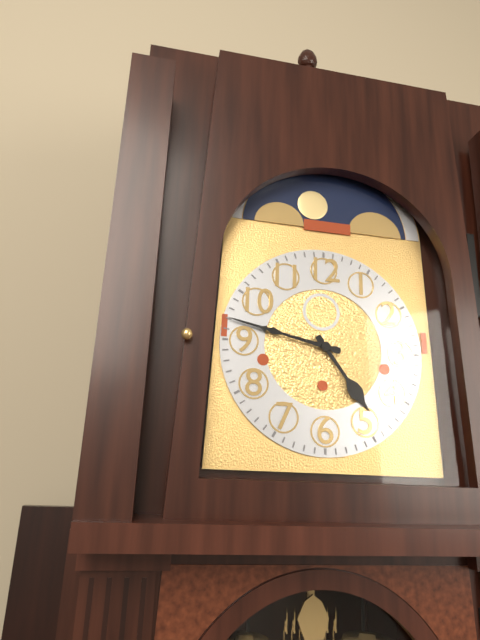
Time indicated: 4h47
